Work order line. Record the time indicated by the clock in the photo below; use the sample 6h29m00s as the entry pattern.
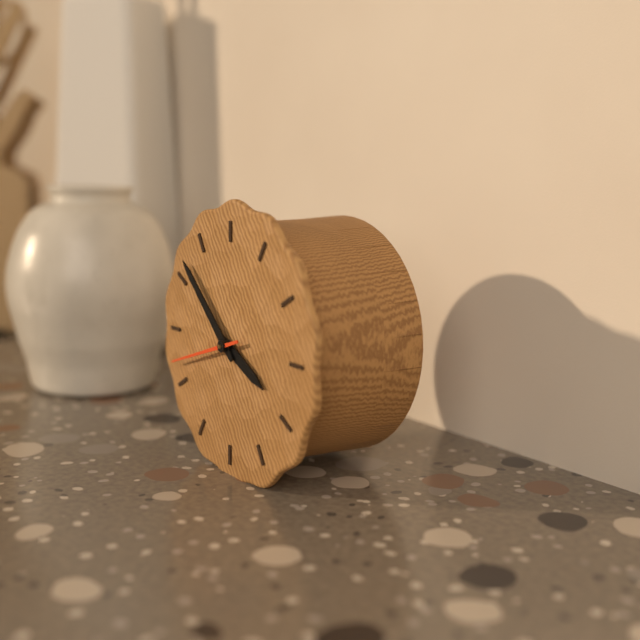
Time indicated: 3h52m42s
